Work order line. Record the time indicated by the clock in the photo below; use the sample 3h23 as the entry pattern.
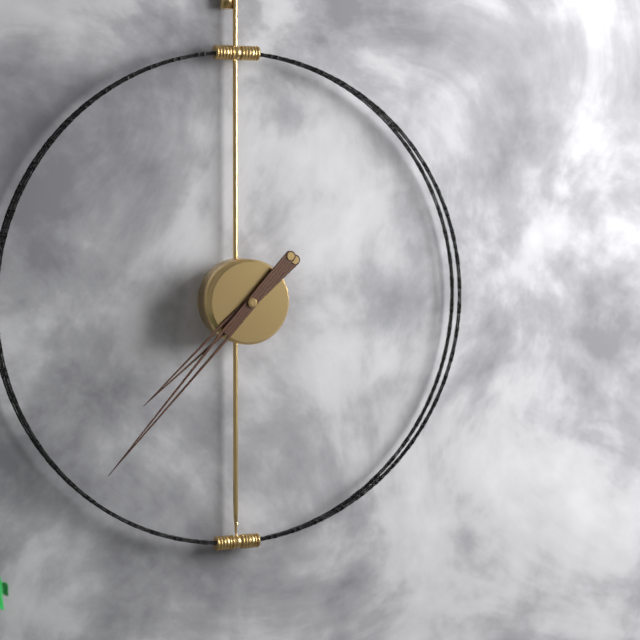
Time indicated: 7h37
